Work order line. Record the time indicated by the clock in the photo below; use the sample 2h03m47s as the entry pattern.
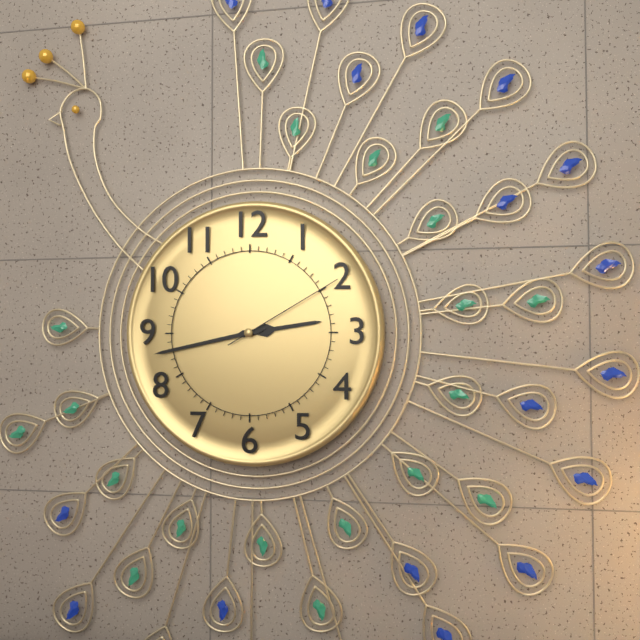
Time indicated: 2h43m10s
